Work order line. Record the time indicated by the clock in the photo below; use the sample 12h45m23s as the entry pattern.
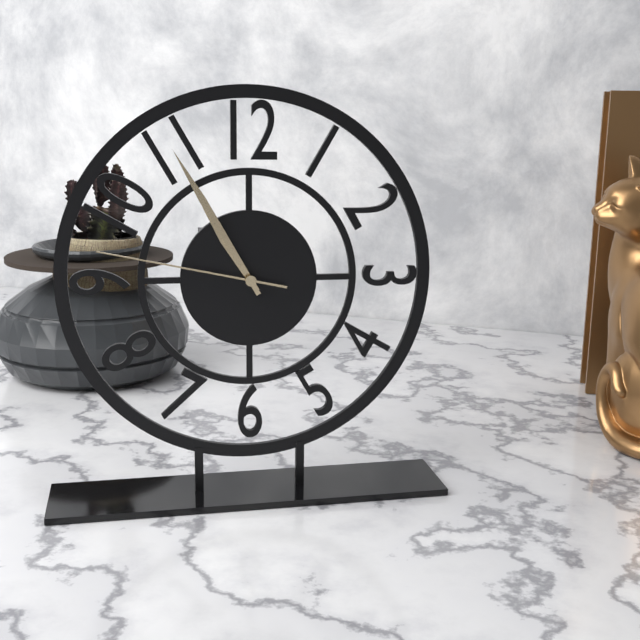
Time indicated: 10h55m47s
